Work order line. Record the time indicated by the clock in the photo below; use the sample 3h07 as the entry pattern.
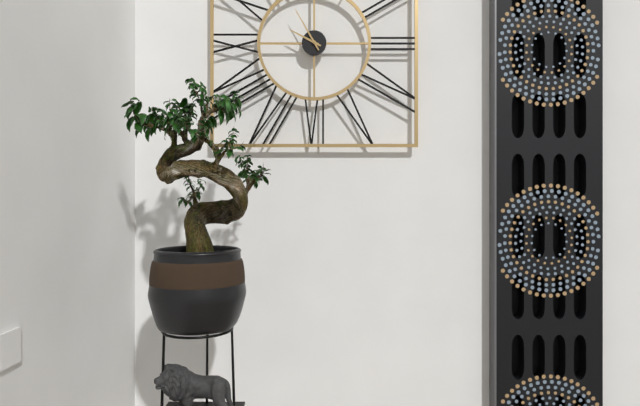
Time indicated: 9h55
